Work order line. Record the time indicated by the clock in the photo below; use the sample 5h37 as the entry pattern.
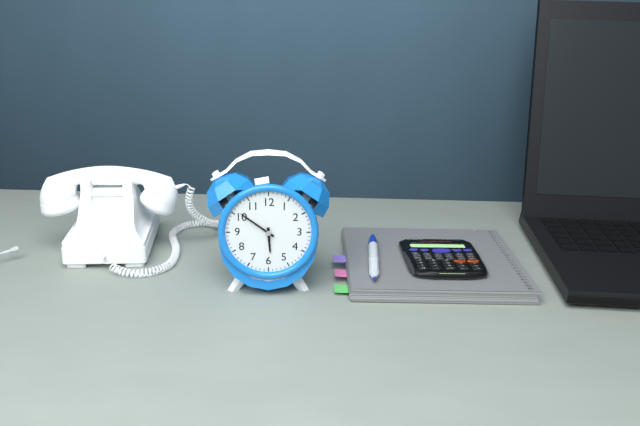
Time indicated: 5h51
